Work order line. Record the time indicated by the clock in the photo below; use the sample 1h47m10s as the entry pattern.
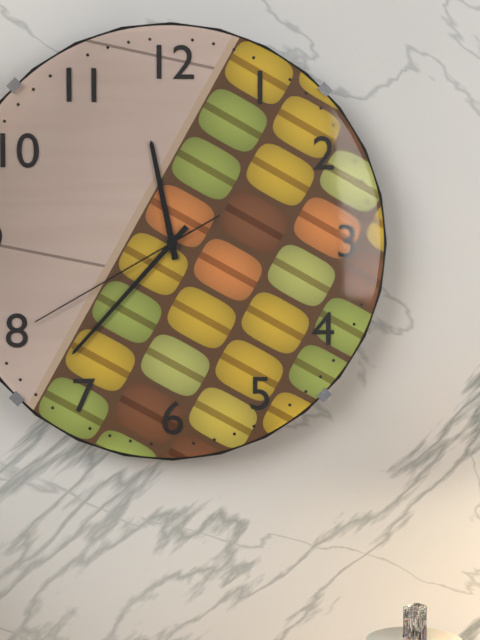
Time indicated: 11h37m40s
